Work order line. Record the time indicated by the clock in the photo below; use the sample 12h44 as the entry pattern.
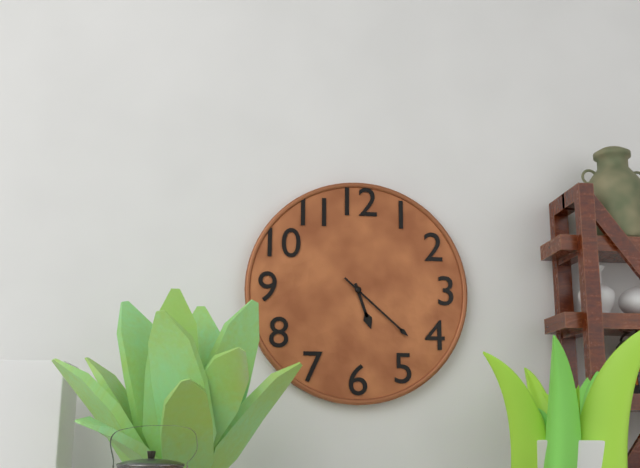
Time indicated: 5h22
